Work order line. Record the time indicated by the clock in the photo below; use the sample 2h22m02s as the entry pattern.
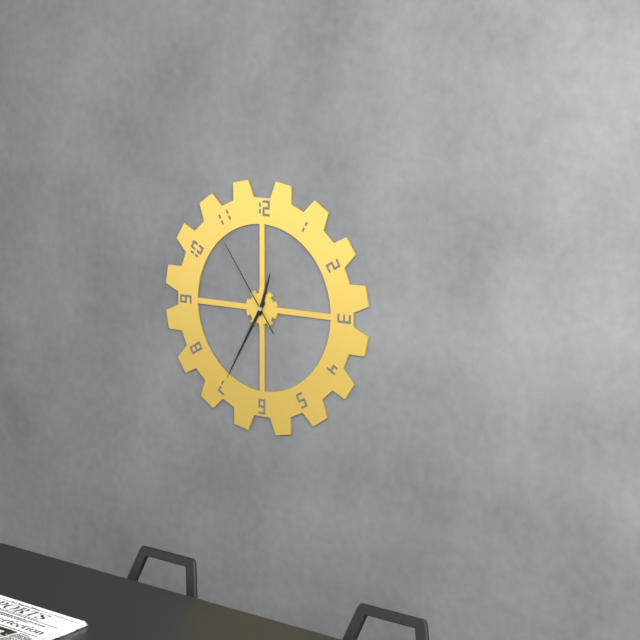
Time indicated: 12h35m54s
